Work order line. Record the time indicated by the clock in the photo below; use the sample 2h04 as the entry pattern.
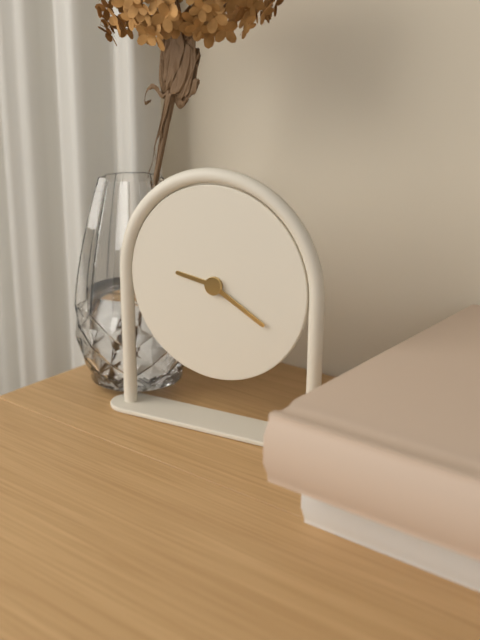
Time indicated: 9h20
